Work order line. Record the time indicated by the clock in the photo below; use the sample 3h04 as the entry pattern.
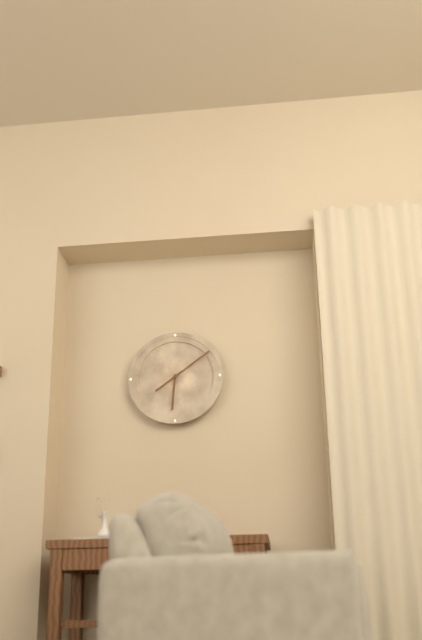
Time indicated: 6h09
